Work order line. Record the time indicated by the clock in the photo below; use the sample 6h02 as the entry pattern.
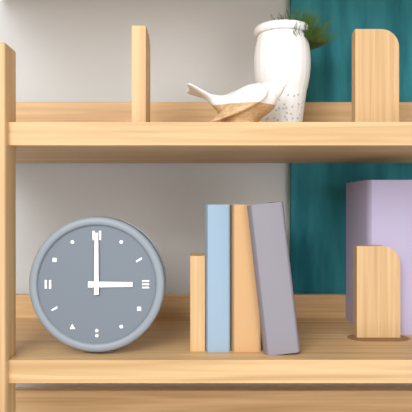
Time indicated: 3h00
